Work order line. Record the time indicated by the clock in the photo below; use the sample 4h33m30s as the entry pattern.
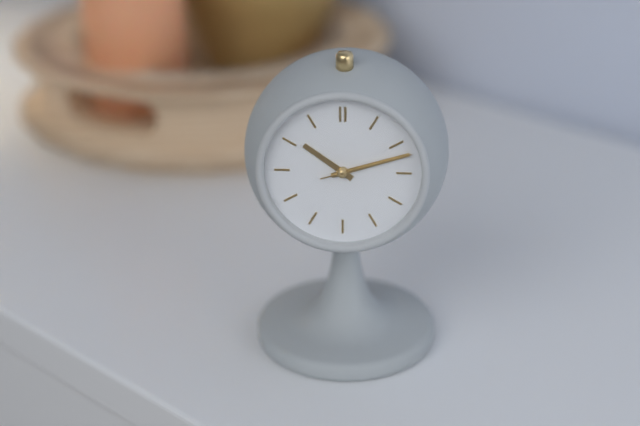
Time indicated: 10h12m12s
